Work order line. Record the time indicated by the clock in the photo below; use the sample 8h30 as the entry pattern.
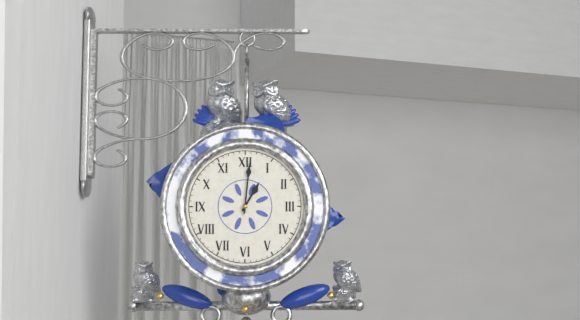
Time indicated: 1h01
